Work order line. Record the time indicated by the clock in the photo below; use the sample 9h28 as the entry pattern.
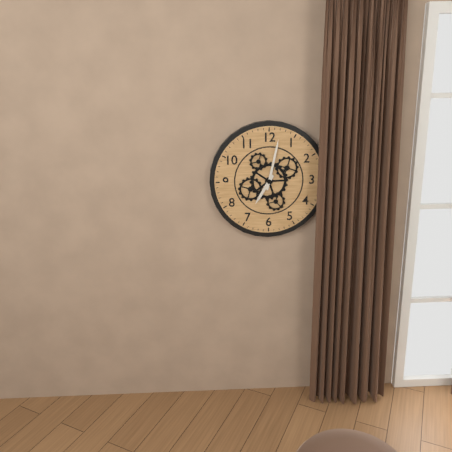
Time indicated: 7h02
